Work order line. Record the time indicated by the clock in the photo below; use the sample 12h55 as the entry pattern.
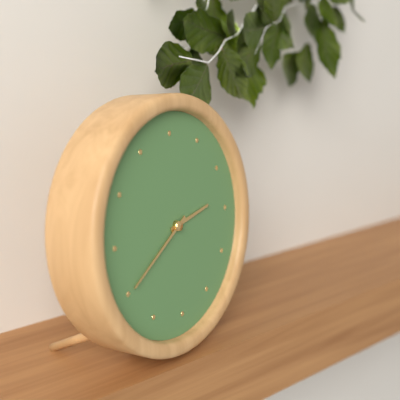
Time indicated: 2h40
